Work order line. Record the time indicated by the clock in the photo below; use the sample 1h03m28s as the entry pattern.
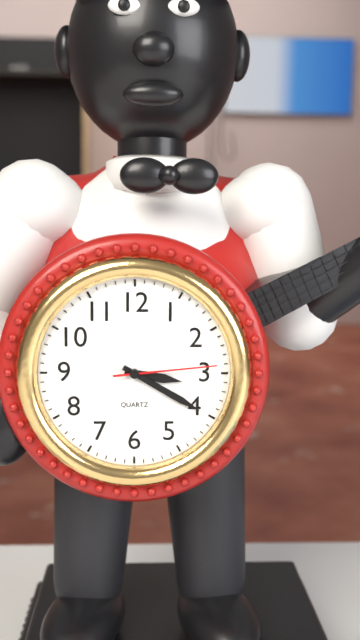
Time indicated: 3h20m14s
